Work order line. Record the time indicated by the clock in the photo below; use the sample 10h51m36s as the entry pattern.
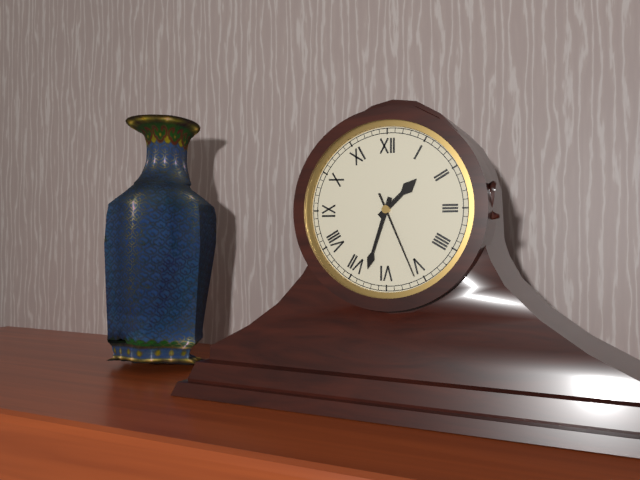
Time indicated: 1h33m26s
